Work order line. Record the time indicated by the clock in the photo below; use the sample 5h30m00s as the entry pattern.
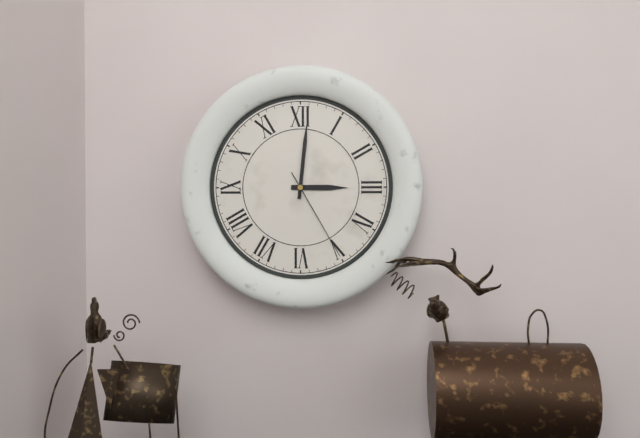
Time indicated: 3h01m25s
